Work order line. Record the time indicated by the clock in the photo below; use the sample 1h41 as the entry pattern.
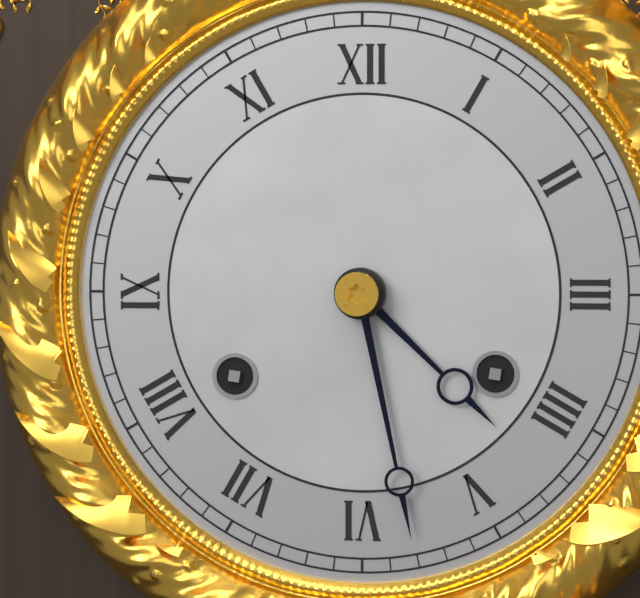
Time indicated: 4h28
